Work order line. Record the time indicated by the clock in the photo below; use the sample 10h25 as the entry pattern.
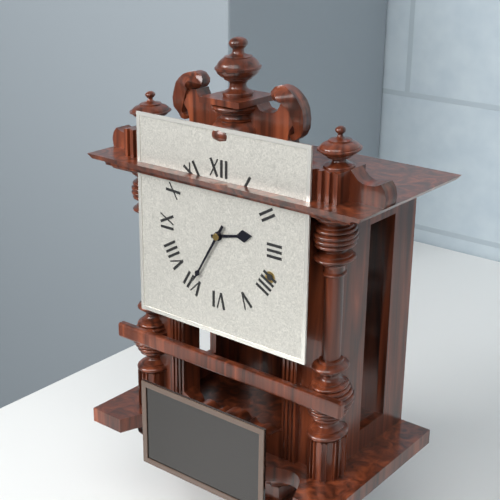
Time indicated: 2h35
